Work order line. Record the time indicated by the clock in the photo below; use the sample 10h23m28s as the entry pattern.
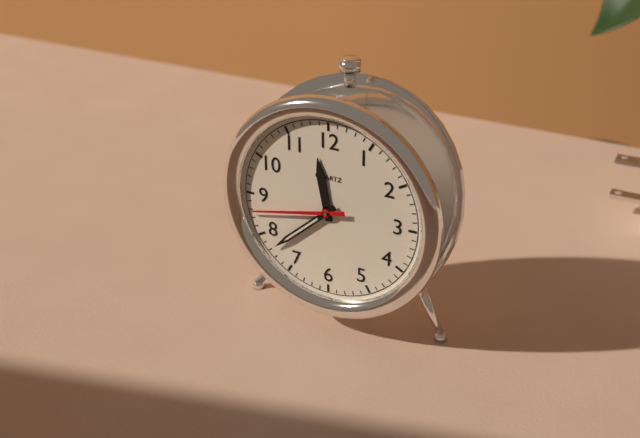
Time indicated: 11h38m43s
